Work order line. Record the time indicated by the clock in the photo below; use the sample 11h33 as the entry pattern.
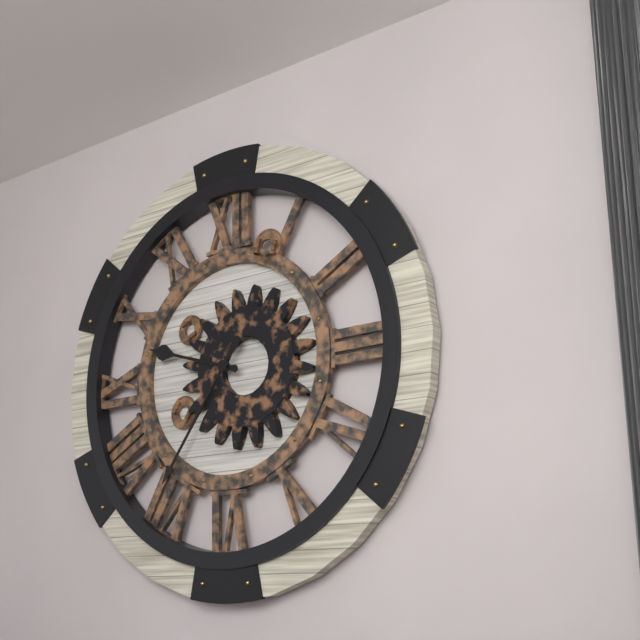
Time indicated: 9h36
